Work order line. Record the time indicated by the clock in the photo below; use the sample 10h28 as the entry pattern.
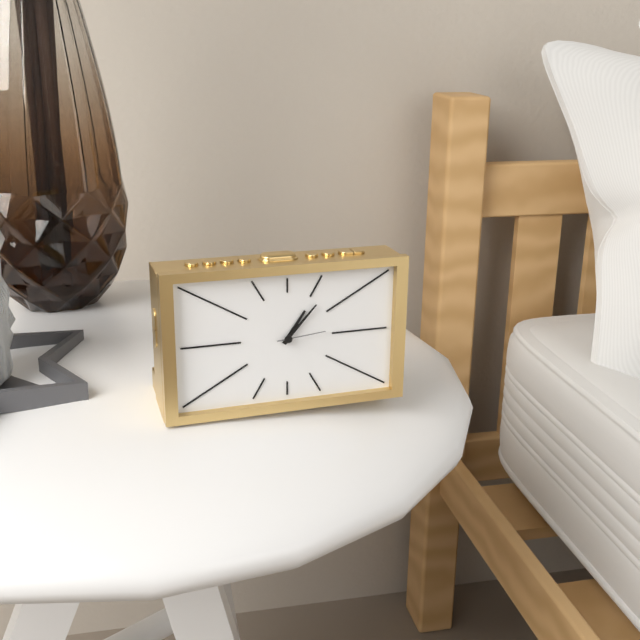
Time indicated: 1h07
